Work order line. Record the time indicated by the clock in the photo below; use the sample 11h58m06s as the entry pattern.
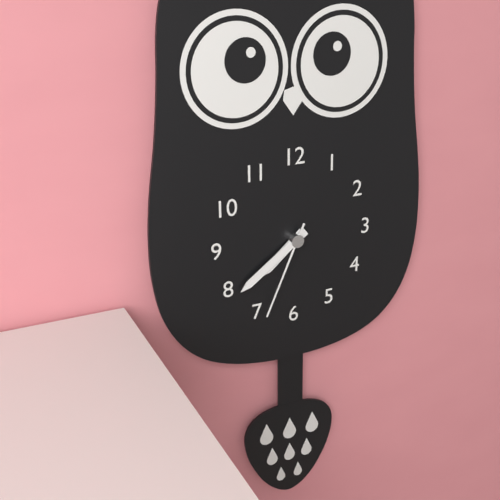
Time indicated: 7h39m34s
